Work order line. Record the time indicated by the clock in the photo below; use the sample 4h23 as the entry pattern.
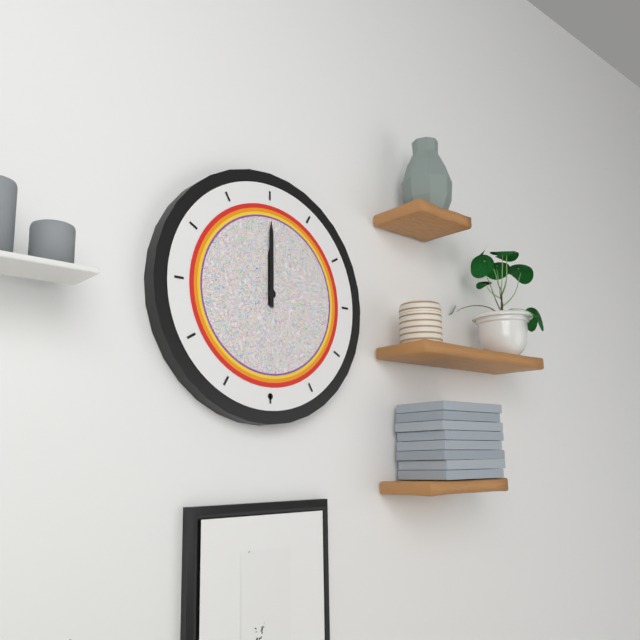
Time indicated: 12h00
